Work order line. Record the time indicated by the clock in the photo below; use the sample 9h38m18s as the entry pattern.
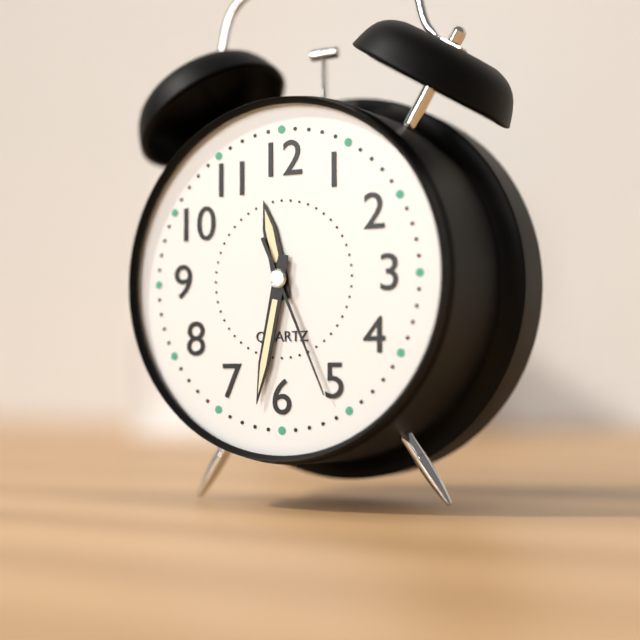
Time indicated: 11h32m26s
